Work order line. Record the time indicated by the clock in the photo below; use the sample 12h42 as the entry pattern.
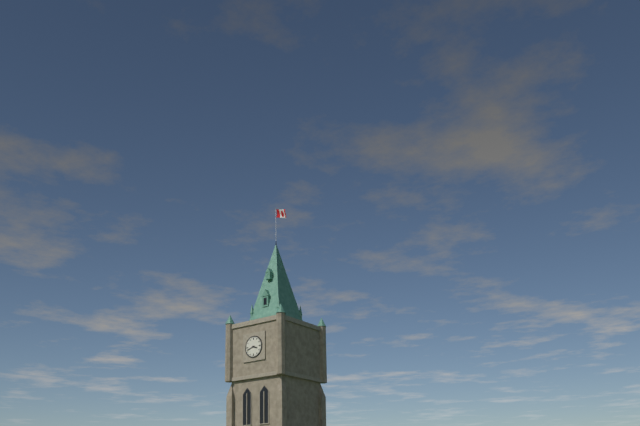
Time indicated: 3h42
